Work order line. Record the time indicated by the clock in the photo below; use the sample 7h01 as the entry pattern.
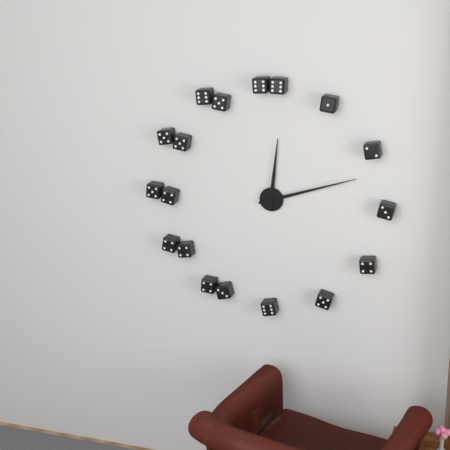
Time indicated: 12h12
